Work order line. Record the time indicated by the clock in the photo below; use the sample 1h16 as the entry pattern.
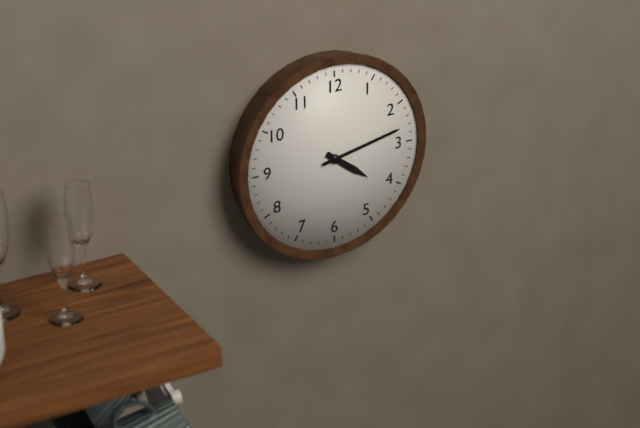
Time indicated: 4h13
